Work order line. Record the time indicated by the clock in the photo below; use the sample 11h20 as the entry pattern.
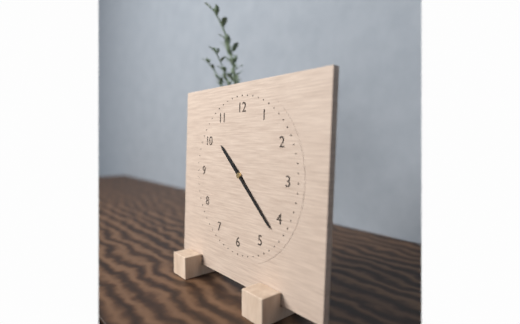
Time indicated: 10h22
